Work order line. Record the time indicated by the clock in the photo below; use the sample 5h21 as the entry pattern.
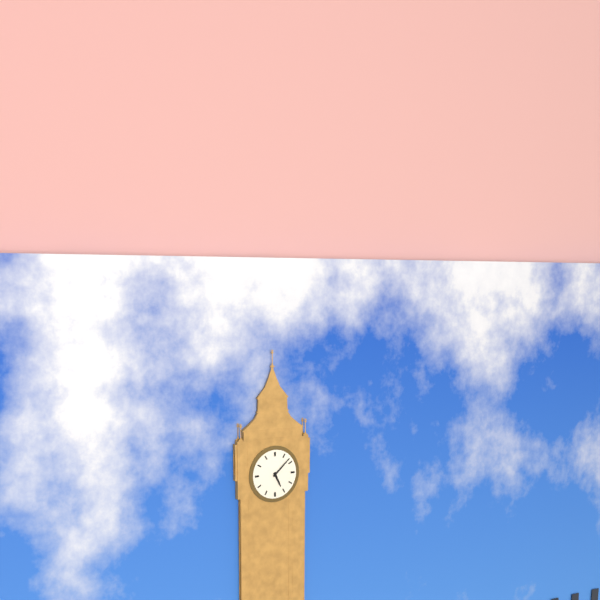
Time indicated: 5h08
